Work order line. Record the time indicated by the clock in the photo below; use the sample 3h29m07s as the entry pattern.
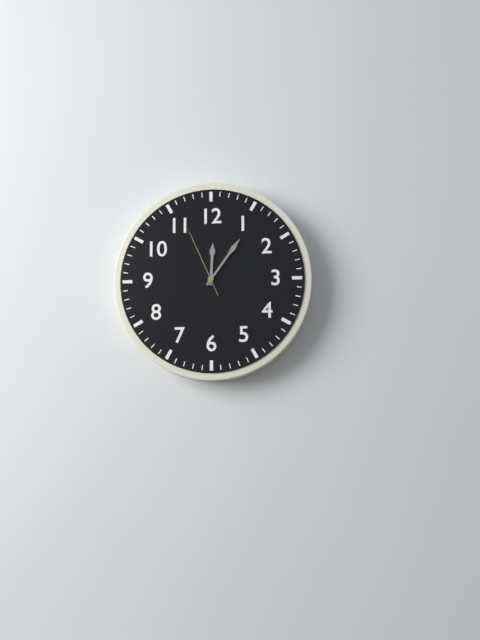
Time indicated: 12h06m56s
